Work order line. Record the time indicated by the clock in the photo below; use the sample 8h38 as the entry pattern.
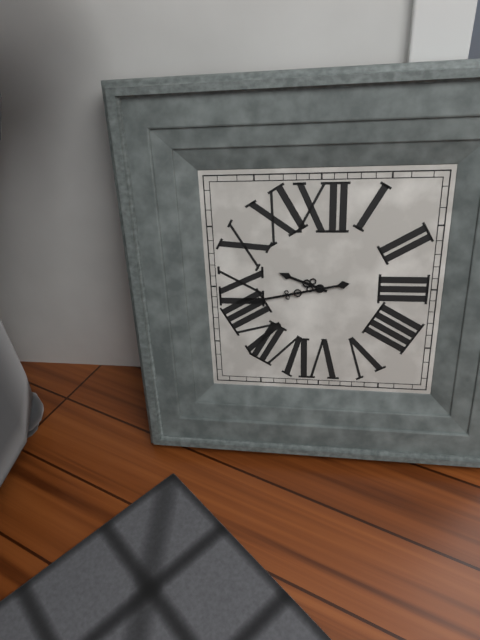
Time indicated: 9h43
